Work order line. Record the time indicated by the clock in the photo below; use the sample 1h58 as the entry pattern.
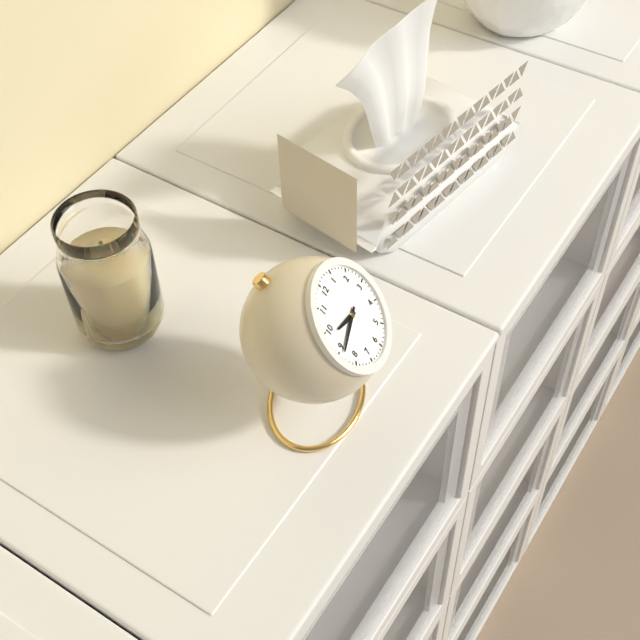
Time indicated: 9h44
